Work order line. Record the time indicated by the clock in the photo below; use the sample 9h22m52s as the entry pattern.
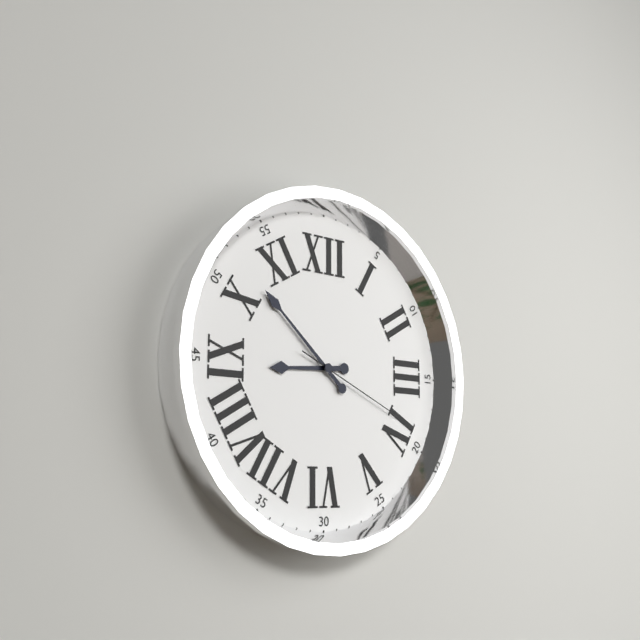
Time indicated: 8h52m19s
